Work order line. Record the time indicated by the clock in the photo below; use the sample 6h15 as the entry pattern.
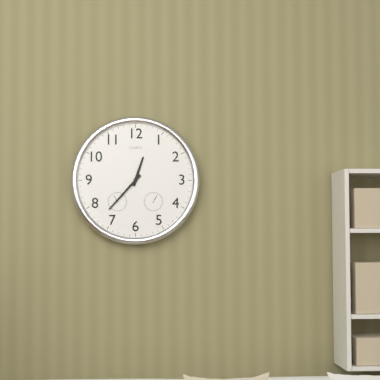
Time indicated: 12h37
